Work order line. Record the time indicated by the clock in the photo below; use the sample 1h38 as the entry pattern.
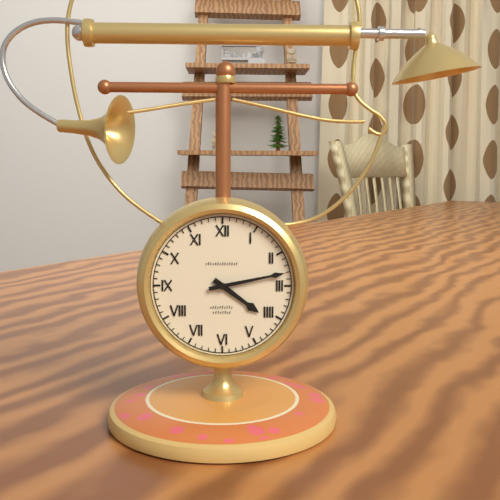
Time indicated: 4h13
